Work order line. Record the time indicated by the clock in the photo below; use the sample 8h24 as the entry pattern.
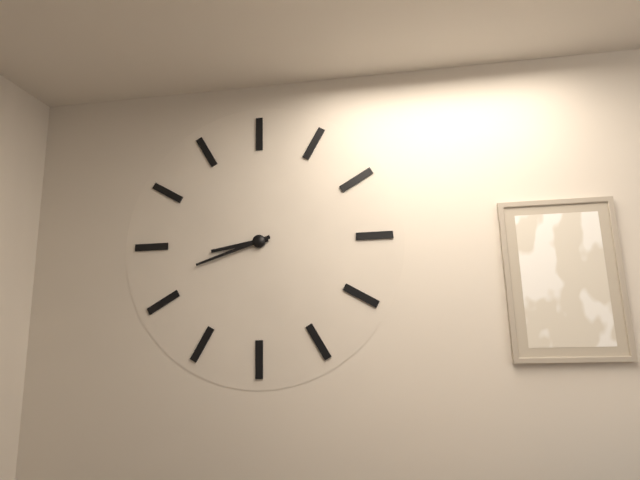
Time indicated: 8h42
